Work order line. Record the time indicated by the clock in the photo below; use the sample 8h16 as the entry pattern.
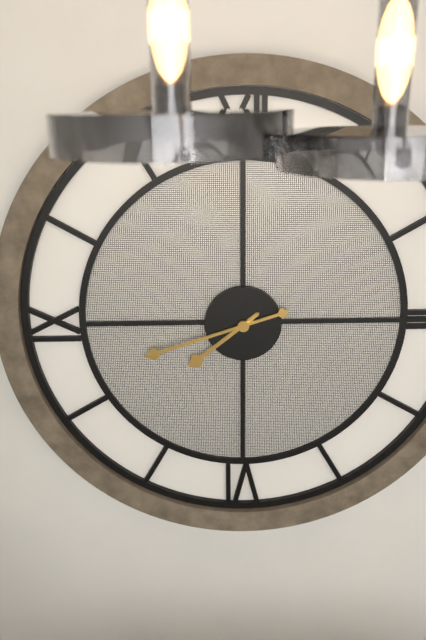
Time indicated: 7h42
